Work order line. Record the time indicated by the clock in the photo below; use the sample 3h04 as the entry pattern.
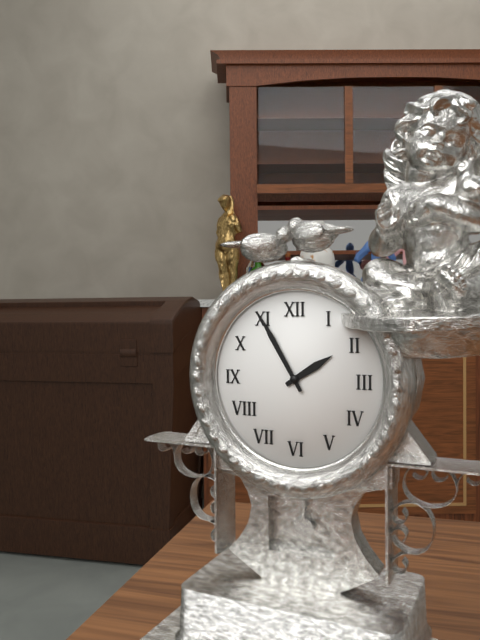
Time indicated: 1h55
